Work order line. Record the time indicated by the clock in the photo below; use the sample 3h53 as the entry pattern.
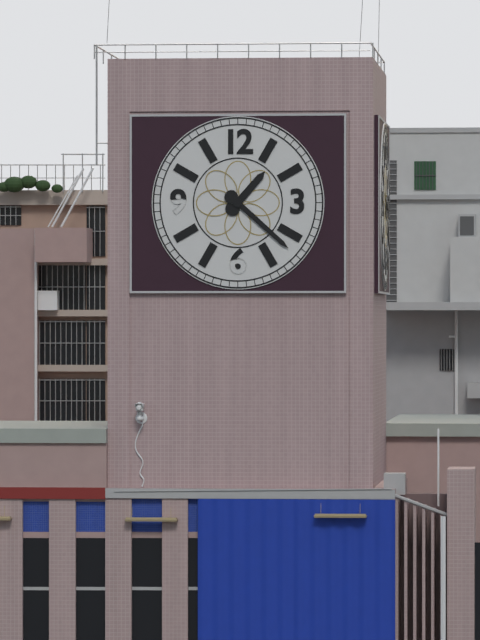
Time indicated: 1h22
